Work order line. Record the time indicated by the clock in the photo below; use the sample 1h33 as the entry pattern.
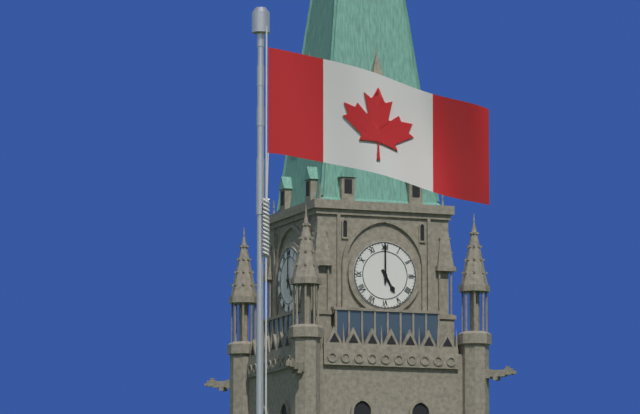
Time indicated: 5h00
